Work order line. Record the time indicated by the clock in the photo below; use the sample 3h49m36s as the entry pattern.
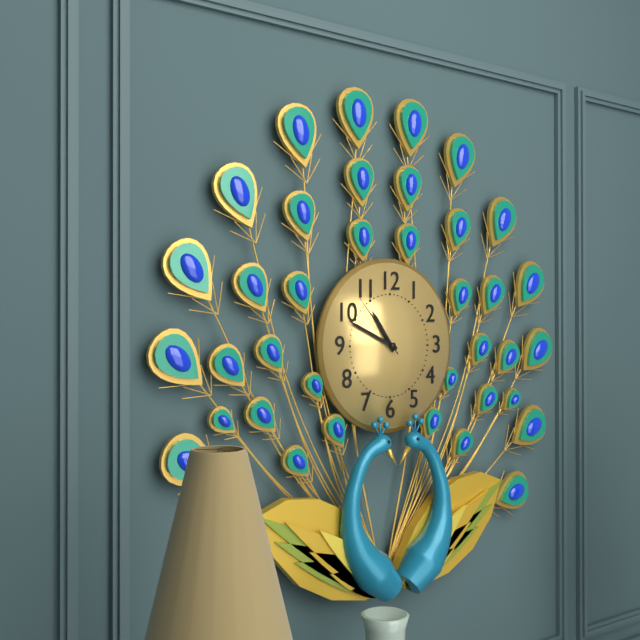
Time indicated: 10h49m53s
